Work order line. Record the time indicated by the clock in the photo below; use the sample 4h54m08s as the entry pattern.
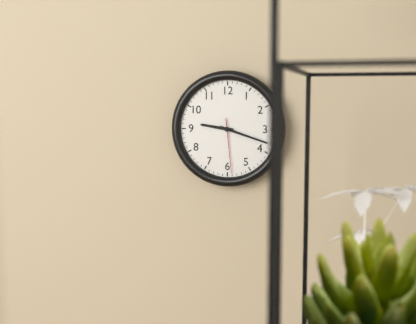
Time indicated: 9h18m29s
